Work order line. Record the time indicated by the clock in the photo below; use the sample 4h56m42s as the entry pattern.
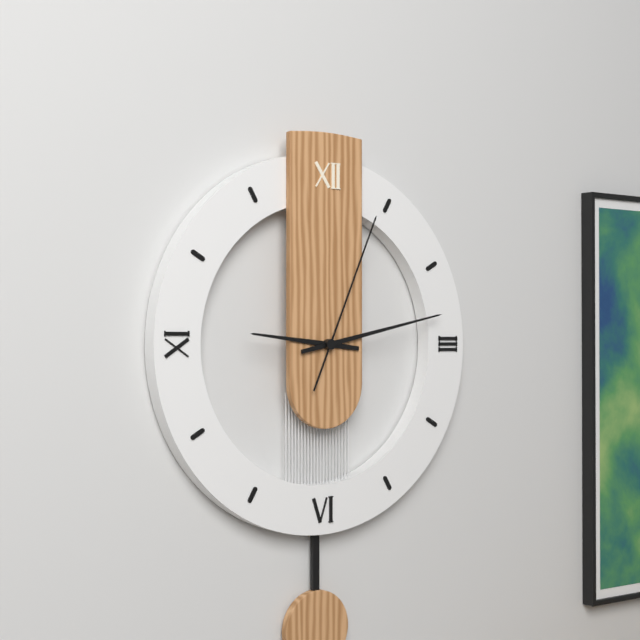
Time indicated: 9h13m04s
